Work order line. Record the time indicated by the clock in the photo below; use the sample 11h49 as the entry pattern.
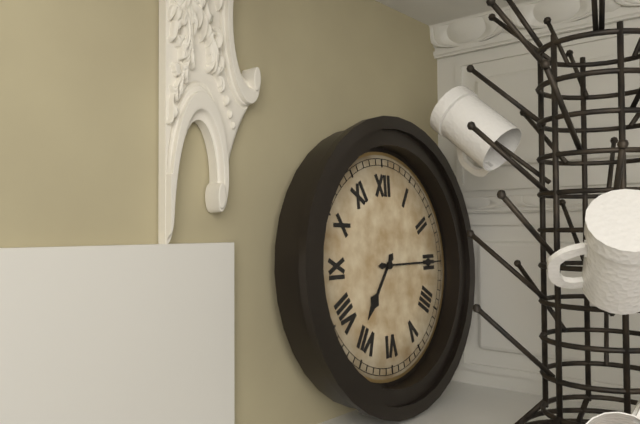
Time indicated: 7h15
